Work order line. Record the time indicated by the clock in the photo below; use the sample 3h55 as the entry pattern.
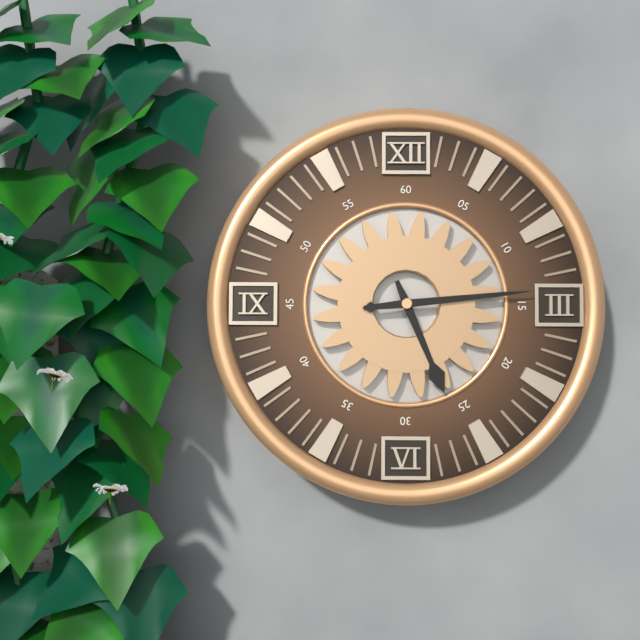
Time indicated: 5h14
